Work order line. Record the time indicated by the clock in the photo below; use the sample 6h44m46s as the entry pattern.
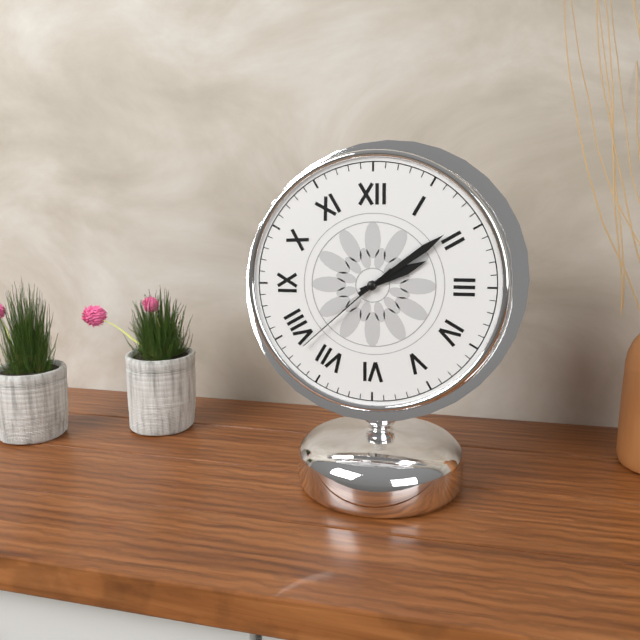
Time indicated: 2h09m38s
